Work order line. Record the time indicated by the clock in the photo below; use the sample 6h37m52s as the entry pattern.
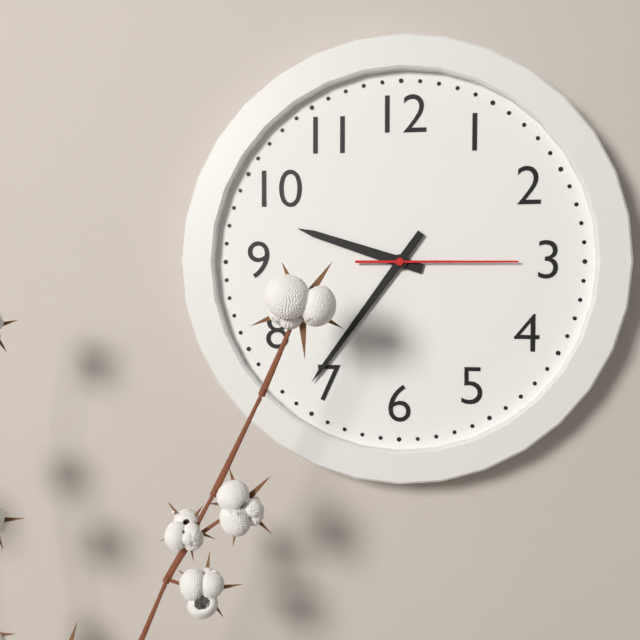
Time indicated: 9h36m15s
